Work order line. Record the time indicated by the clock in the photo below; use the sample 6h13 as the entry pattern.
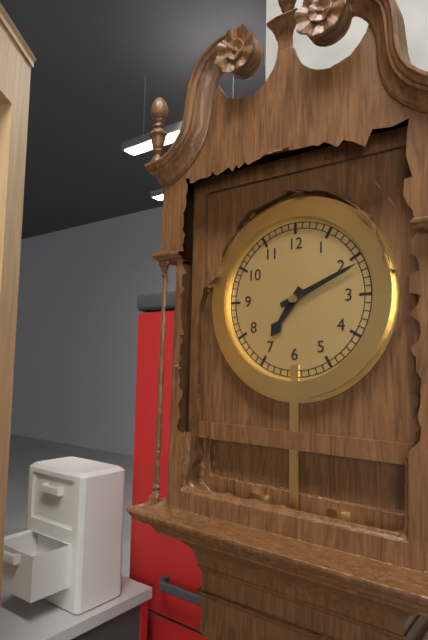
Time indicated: 7h11
